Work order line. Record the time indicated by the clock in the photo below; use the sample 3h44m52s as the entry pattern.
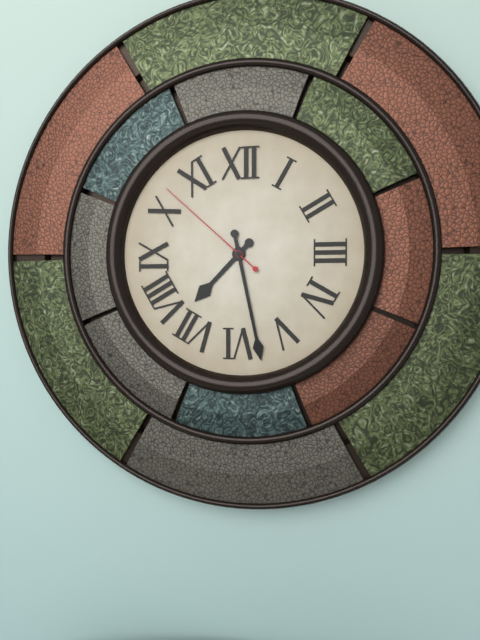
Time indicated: 7h28m52s
